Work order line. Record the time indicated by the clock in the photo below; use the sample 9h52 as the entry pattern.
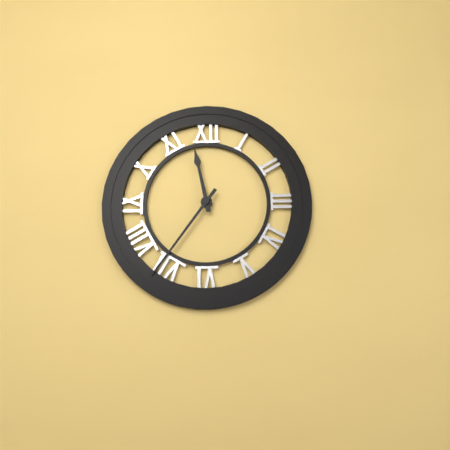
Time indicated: 11h36
